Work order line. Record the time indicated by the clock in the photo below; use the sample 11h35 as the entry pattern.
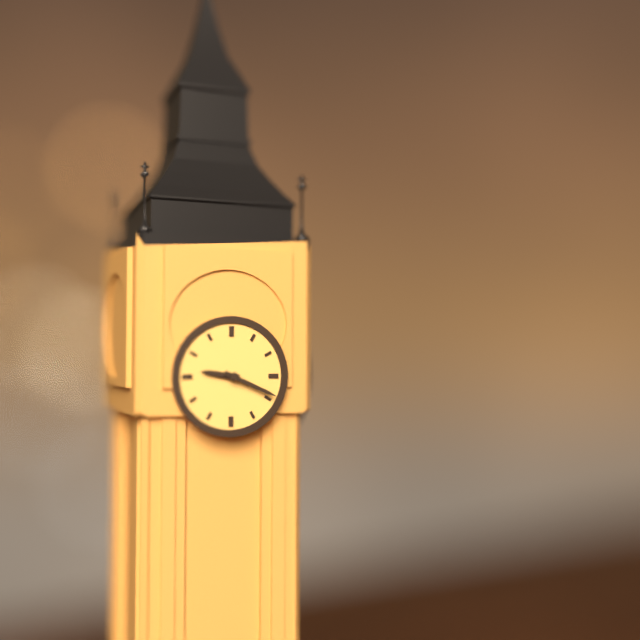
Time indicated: 9h19
